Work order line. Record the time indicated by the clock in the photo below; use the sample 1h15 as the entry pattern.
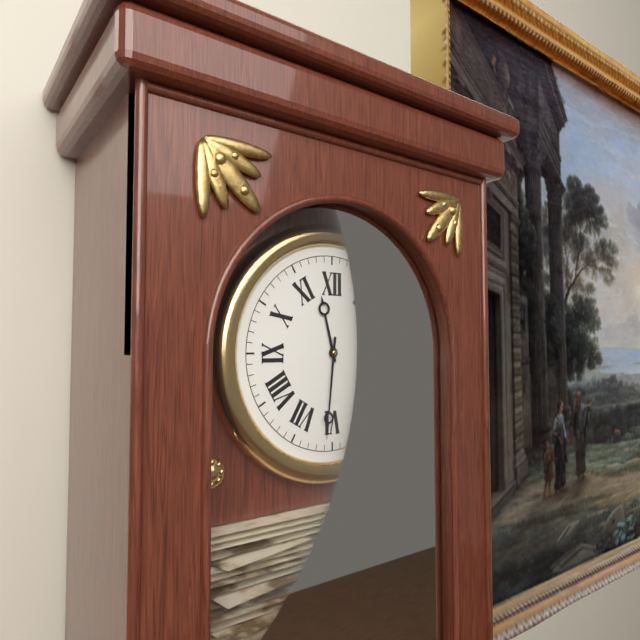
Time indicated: 11h31
